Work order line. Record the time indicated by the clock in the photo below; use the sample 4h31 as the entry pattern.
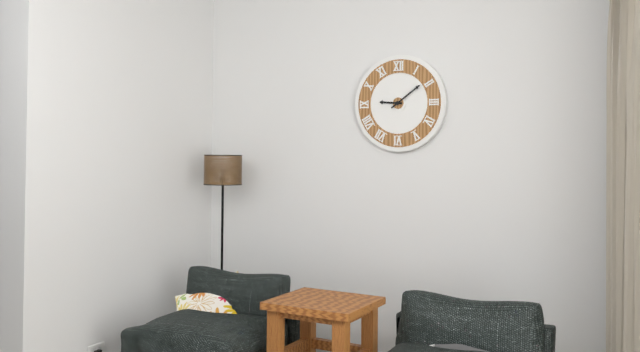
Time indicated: 9h09
